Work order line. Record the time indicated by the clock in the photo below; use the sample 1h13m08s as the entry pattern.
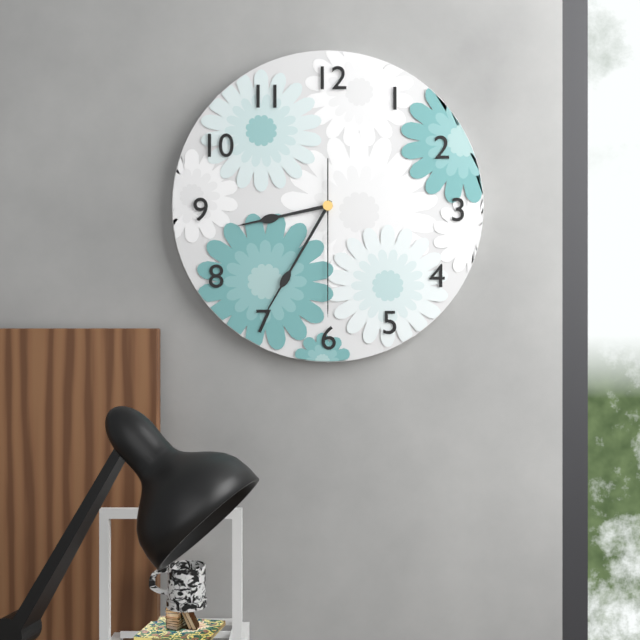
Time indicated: 8h35m30s
